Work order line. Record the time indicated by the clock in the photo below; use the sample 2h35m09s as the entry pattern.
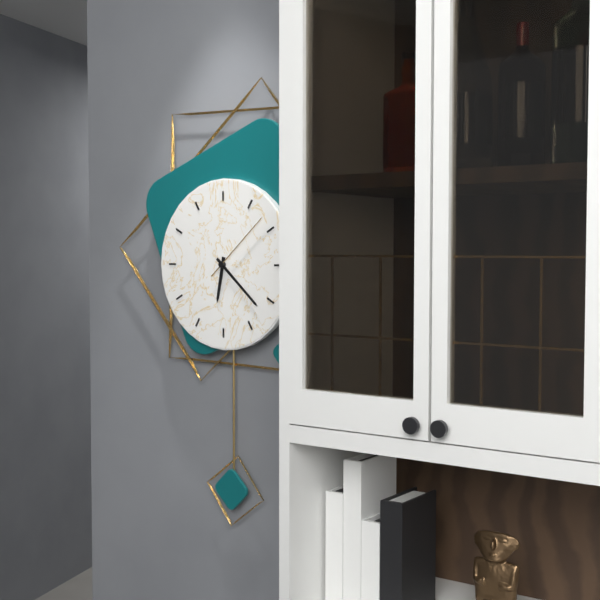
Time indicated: 6h22m08s
